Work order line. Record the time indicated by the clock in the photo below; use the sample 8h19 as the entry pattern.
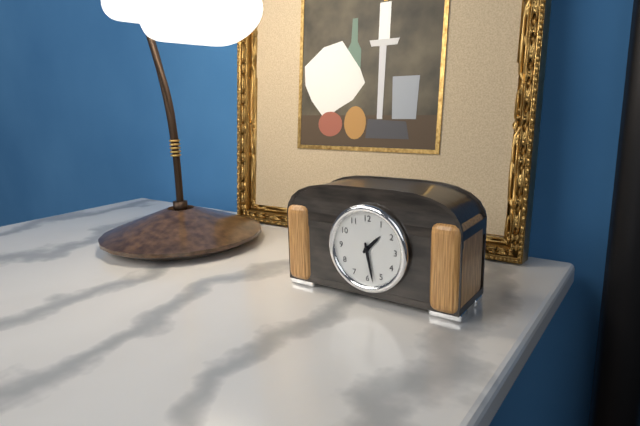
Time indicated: 1h28
